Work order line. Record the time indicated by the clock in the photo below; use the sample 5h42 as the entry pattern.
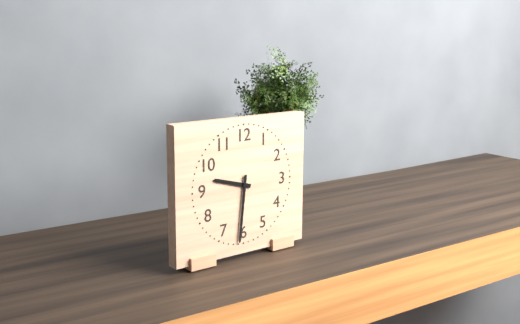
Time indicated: 9h31
